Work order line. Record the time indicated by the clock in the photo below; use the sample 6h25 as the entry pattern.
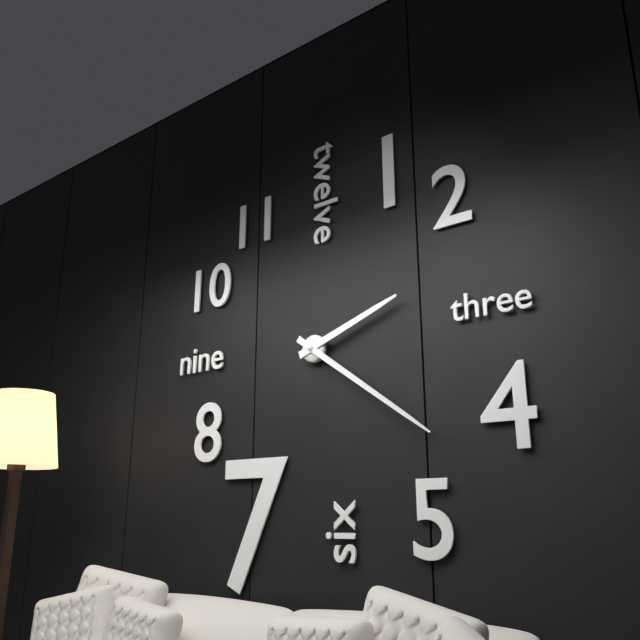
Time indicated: 2h21
